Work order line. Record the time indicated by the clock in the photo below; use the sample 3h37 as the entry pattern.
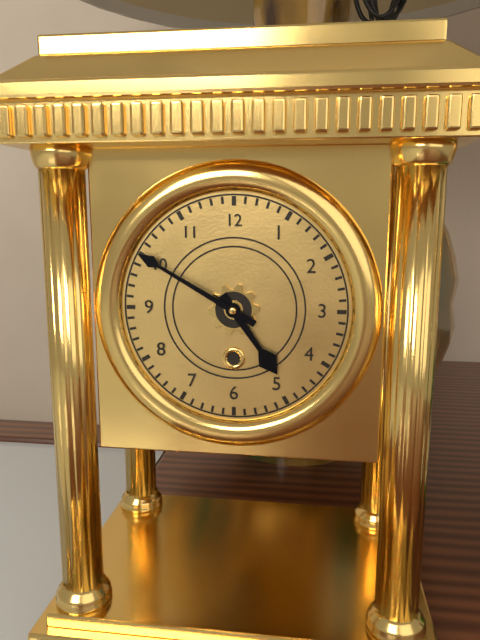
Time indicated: 4h50
